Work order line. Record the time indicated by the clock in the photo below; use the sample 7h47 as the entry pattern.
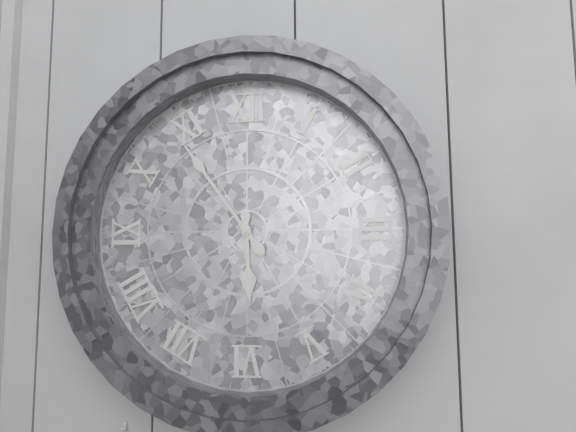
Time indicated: 5h54
